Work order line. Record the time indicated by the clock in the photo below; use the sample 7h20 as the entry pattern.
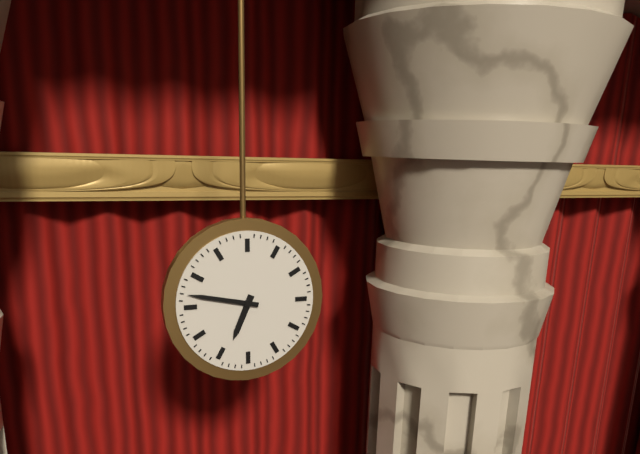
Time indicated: 6h47
